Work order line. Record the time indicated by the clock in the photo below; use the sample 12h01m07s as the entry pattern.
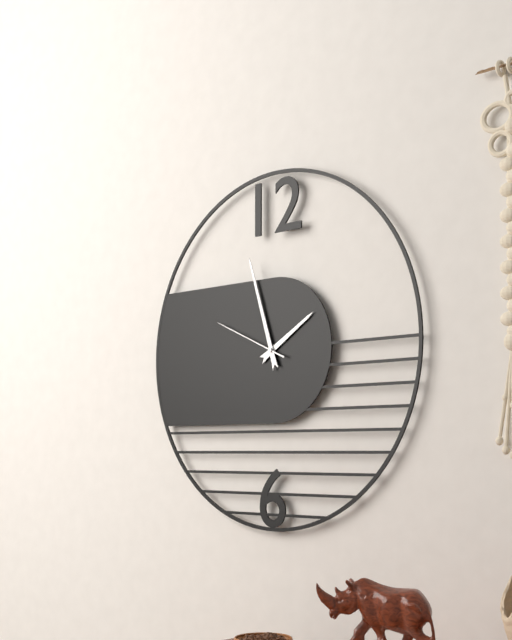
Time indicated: 1h57m49s
